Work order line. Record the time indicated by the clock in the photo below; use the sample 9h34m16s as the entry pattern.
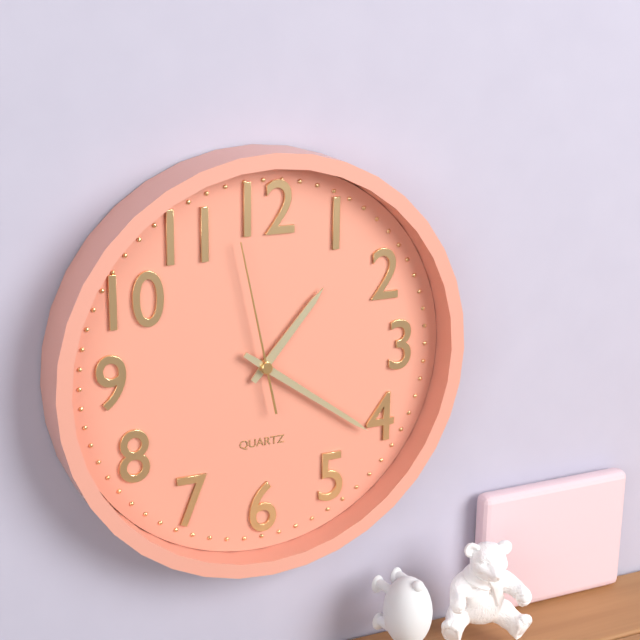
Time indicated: 1h21m58s
